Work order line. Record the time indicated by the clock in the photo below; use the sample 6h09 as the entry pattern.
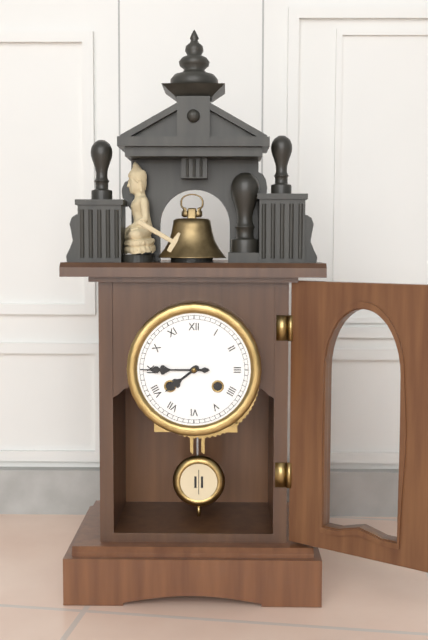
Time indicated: 7h45
